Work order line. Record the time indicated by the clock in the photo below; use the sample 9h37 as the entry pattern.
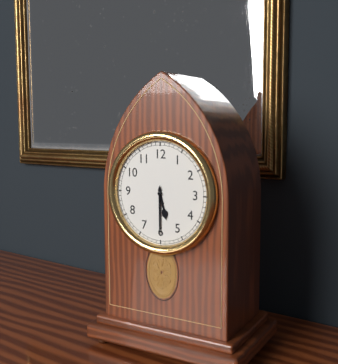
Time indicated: 5h30
